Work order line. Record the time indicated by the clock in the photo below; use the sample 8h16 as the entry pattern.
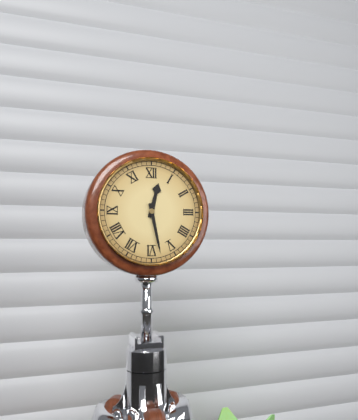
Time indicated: 12h28
